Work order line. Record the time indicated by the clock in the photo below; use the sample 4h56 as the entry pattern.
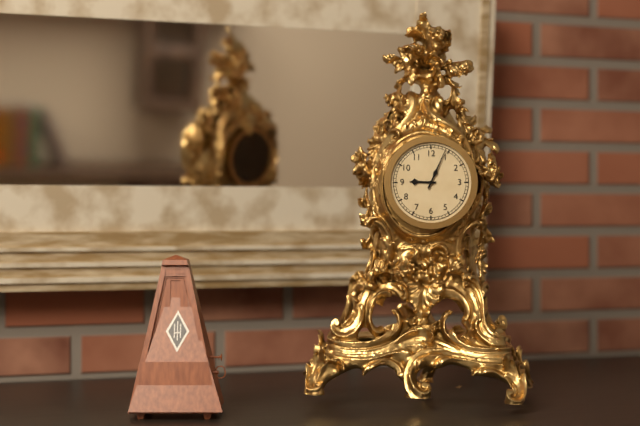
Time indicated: 9h04
